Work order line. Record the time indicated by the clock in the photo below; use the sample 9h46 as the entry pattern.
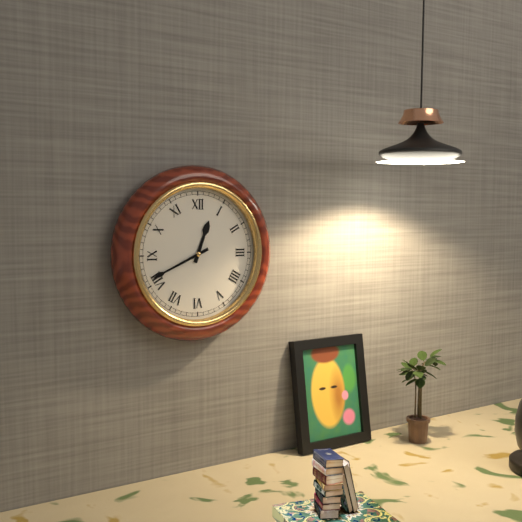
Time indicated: 12h41
